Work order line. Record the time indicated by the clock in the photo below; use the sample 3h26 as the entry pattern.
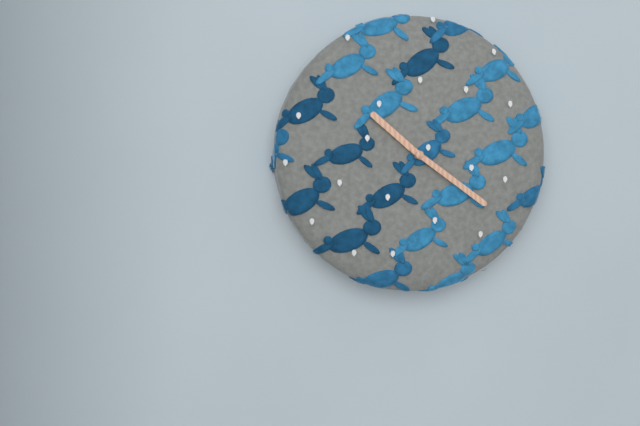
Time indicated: 10h21
